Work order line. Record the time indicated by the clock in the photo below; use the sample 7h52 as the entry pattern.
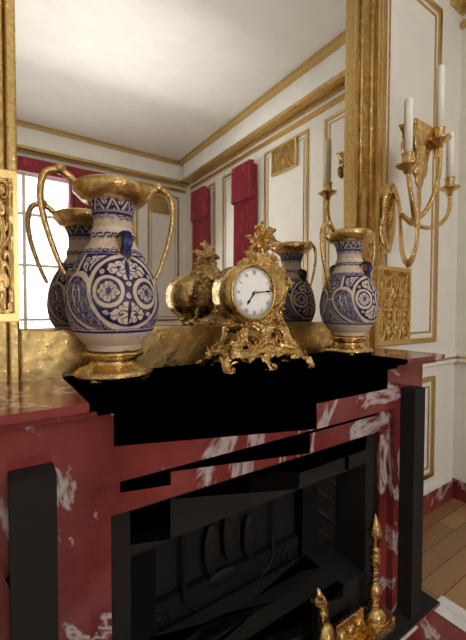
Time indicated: 7h14
